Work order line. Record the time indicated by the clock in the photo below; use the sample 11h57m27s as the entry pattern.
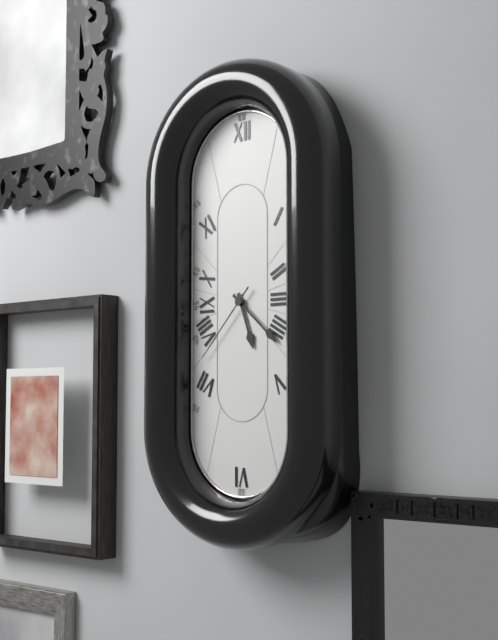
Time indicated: 5h22m37s
